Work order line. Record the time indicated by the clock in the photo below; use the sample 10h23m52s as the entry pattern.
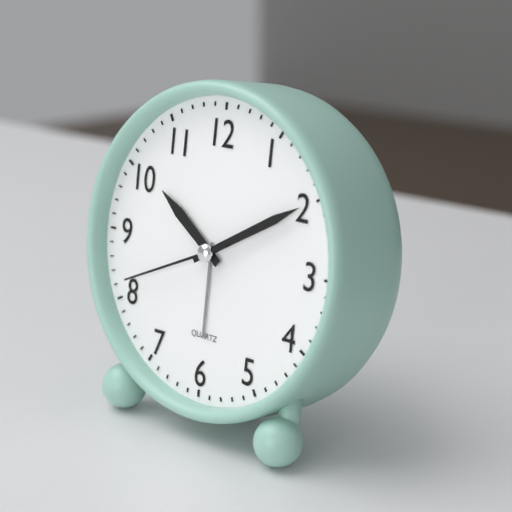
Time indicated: 10h10m41s
